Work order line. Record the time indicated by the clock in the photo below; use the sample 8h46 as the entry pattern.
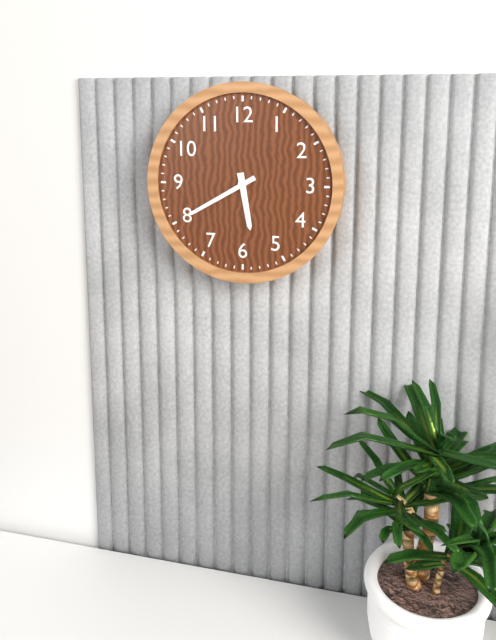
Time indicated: 5h40
